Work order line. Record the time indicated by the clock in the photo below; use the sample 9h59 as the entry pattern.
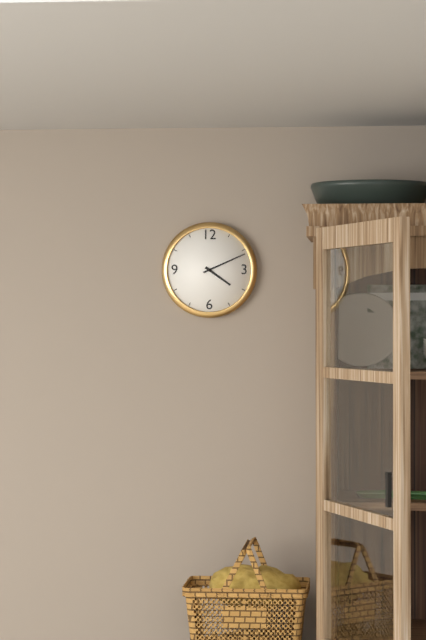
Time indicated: 4h11
